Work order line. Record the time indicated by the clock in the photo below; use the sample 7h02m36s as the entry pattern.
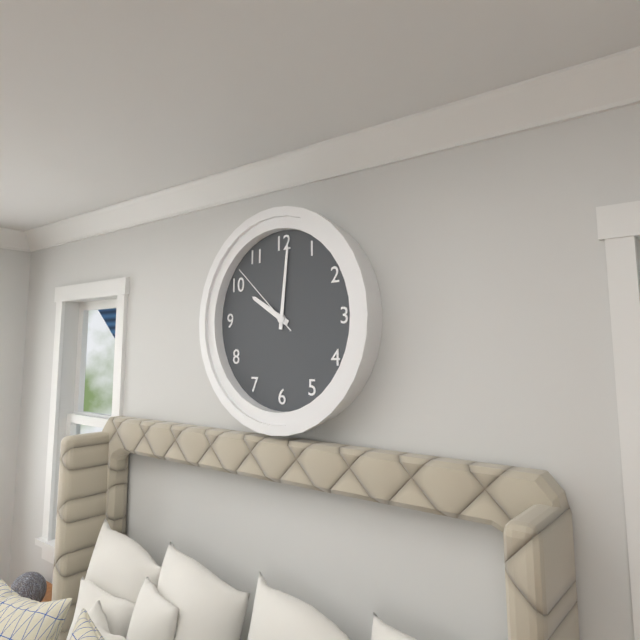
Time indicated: 10h01m52s
